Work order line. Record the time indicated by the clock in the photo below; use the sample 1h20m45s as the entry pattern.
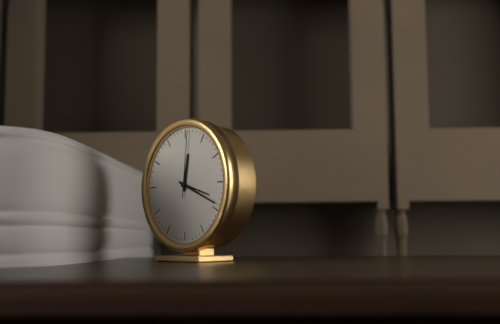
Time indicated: 12h19m01s
